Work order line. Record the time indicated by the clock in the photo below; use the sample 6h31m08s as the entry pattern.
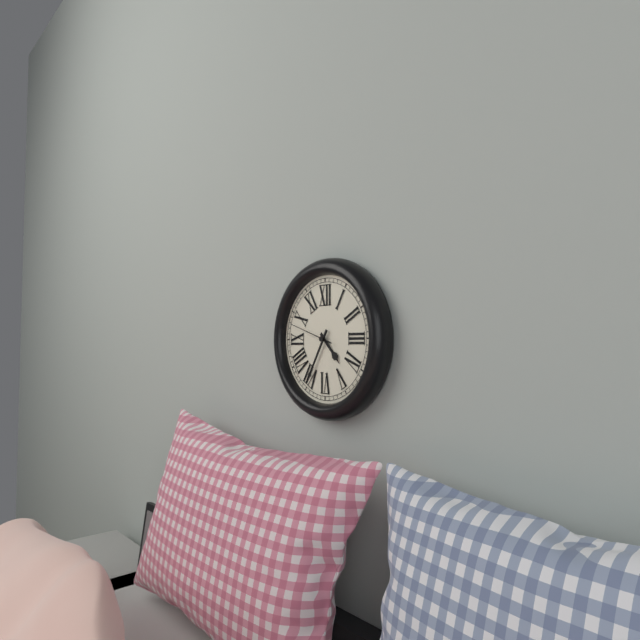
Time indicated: 4h35m48s
